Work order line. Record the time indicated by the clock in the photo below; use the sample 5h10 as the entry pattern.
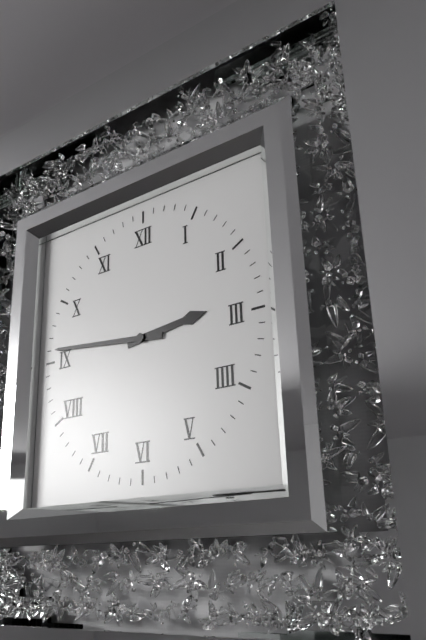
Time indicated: 2h46
